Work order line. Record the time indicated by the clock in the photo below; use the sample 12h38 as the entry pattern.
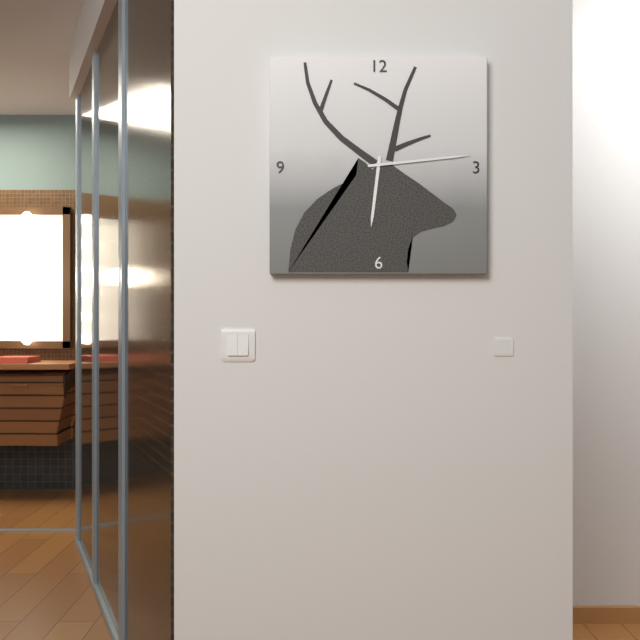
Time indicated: 6h14
